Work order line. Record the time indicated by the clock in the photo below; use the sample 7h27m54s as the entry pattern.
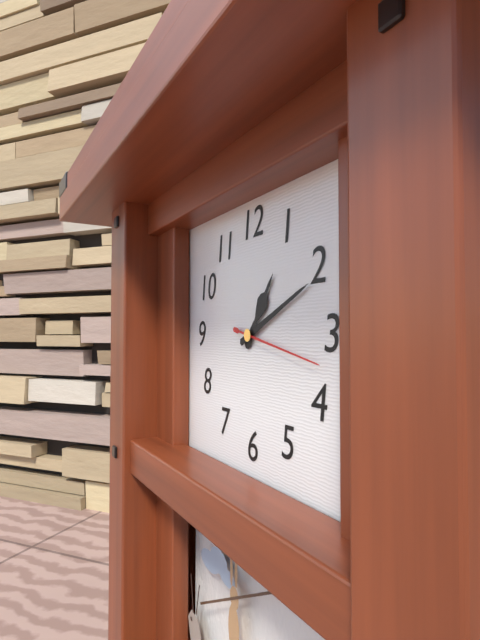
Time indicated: 1h11m17s
